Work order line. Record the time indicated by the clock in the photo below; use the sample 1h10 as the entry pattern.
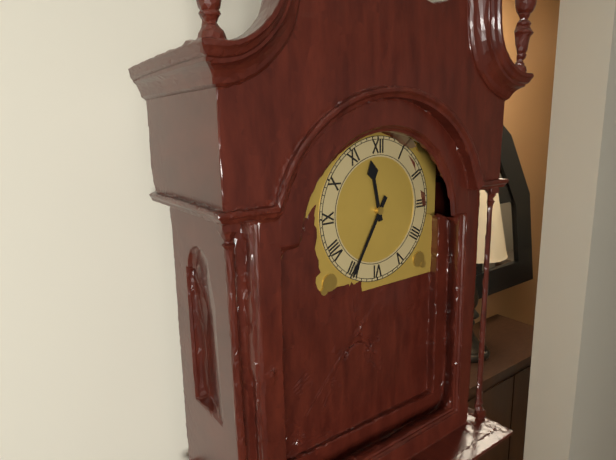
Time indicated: 11h35
